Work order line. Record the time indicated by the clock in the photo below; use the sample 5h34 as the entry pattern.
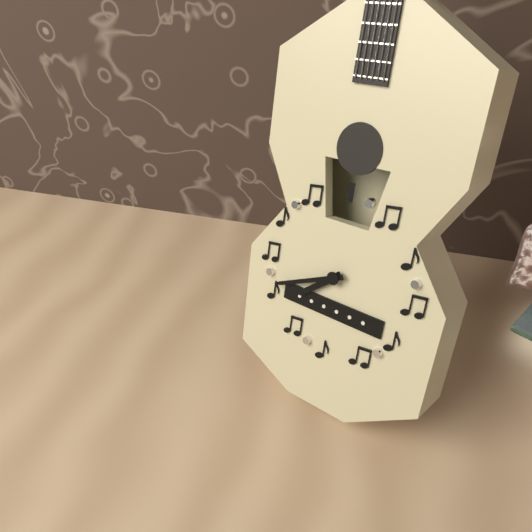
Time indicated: 7h41
